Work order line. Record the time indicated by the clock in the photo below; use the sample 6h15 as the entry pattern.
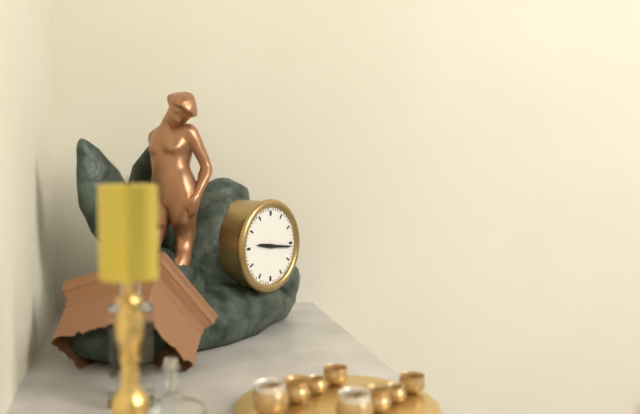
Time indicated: 9h16
